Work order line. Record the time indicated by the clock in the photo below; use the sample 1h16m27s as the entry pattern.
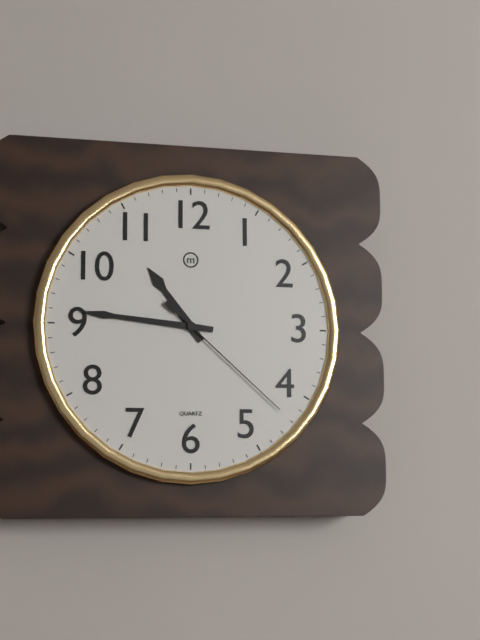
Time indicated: 10h46m22s
